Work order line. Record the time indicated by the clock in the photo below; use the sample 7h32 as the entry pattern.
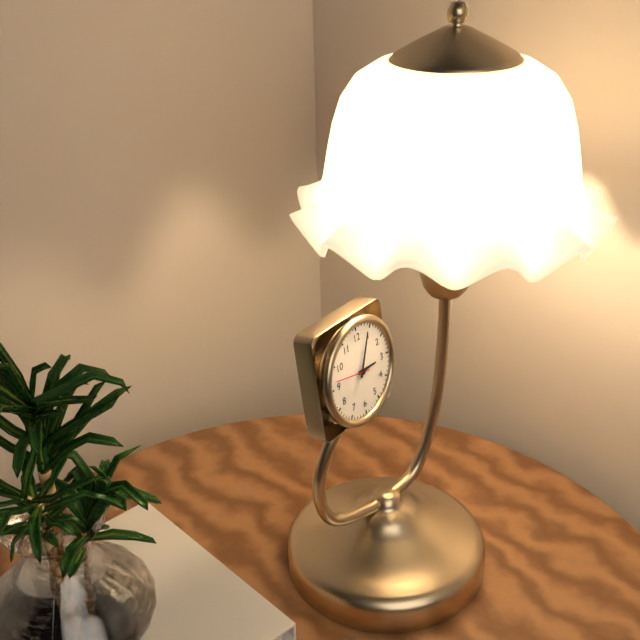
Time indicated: 3h04
